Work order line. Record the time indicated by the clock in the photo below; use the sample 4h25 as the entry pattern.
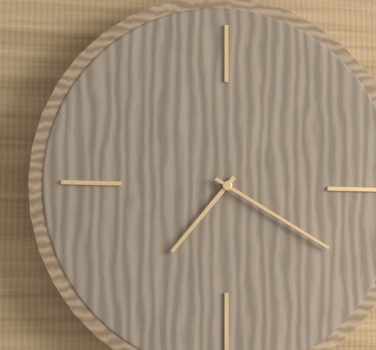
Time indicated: 7h20
